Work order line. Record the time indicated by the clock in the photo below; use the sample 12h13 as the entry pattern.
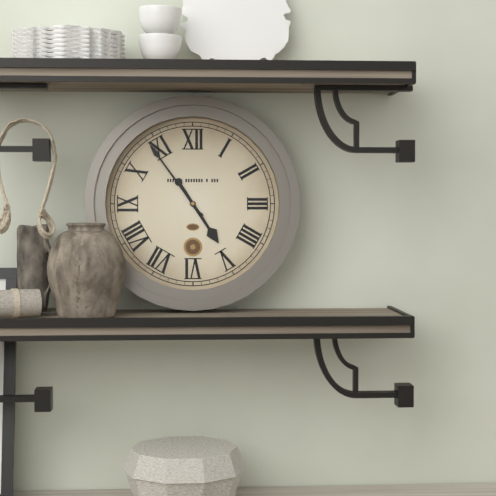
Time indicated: 4h54
